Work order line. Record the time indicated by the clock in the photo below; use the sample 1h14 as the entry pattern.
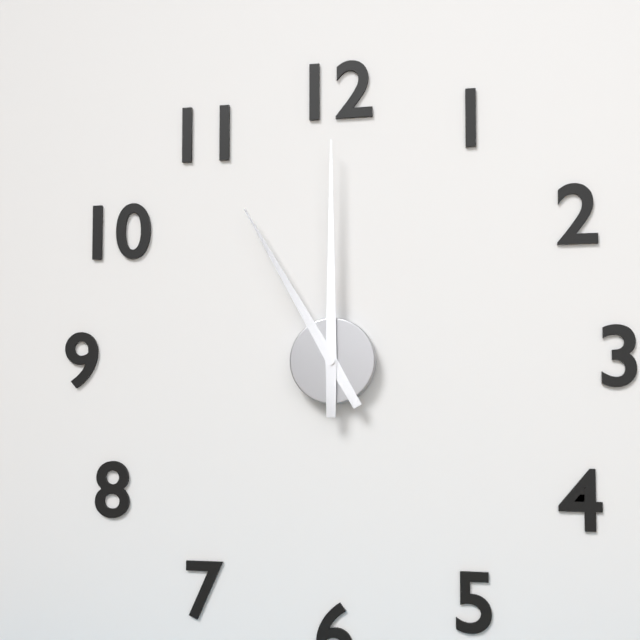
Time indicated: 11h00
